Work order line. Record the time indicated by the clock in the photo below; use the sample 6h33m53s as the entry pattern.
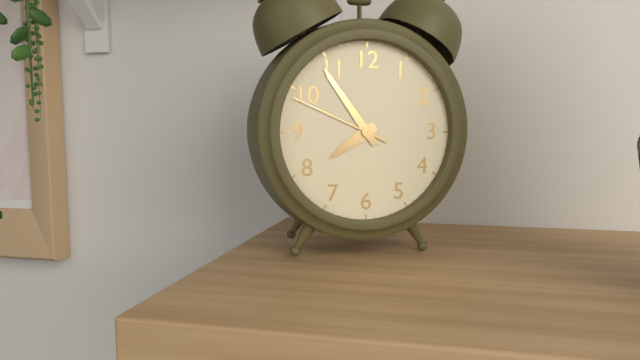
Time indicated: 7h54m49s
